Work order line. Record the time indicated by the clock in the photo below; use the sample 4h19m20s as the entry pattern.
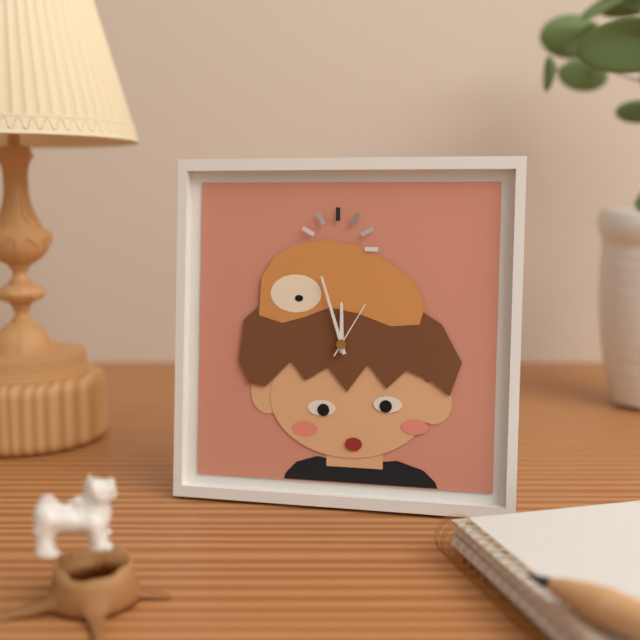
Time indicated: 11h57m05s
